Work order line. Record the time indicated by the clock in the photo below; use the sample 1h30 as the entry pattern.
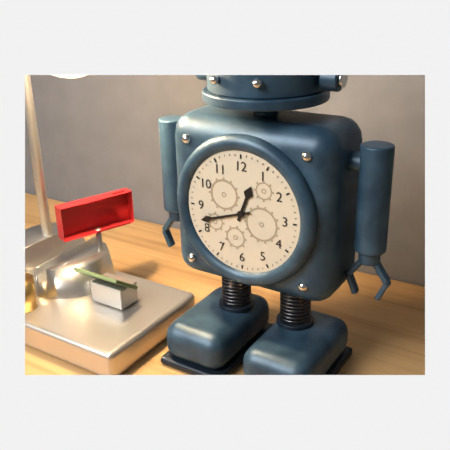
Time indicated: 12h42
